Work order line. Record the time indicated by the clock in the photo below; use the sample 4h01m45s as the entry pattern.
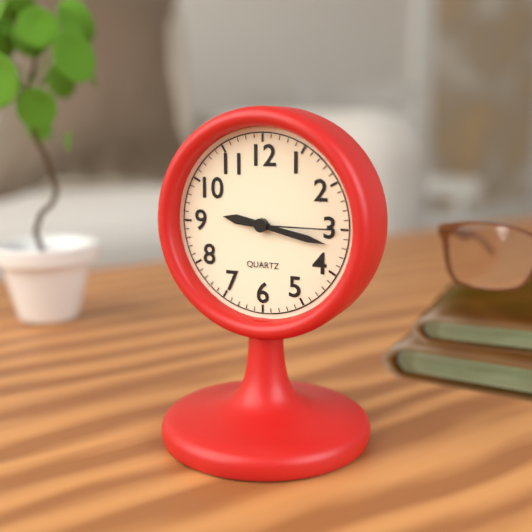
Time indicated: 9h17m15s
